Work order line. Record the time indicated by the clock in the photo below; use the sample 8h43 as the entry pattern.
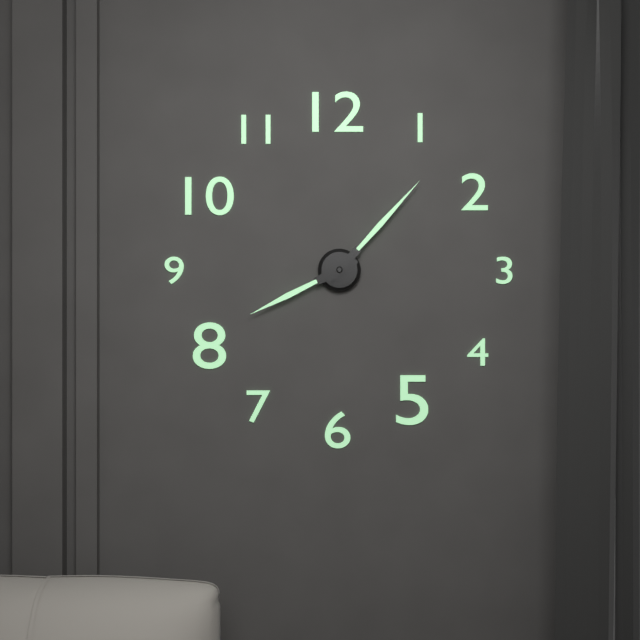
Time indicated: 8h07
